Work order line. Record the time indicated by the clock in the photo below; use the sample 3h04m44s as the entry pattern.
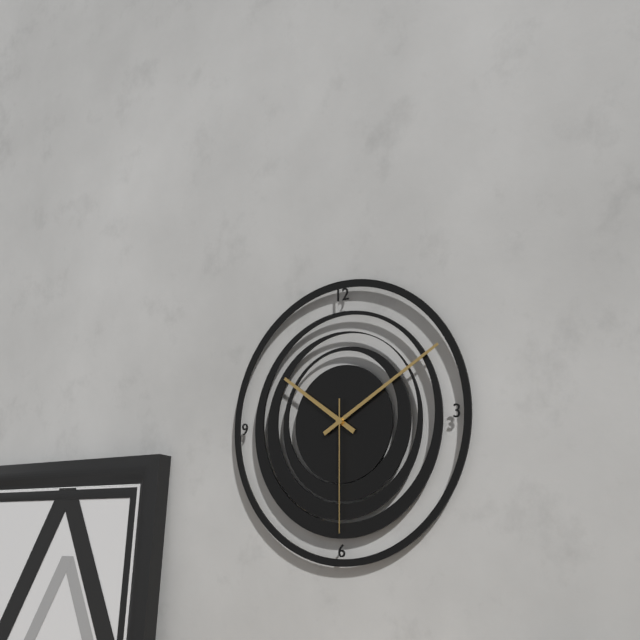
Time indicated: 10h10m30s
